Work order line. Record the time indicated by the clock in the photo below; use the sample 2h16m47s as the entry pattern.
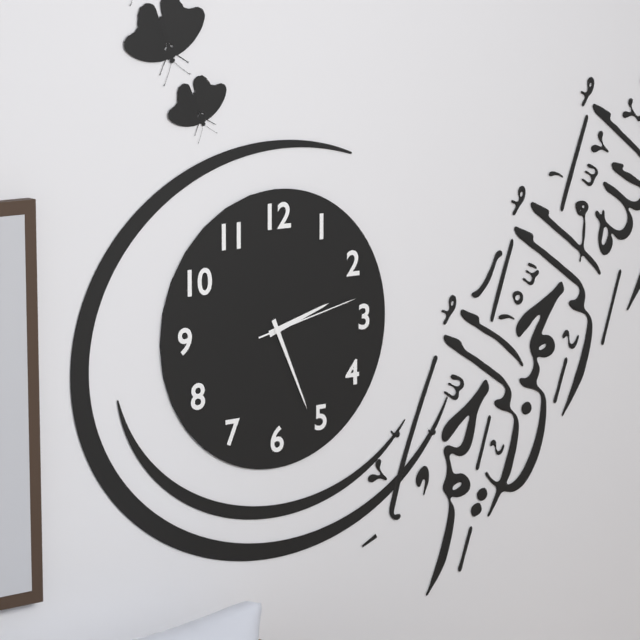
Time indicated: 2h26m13s
